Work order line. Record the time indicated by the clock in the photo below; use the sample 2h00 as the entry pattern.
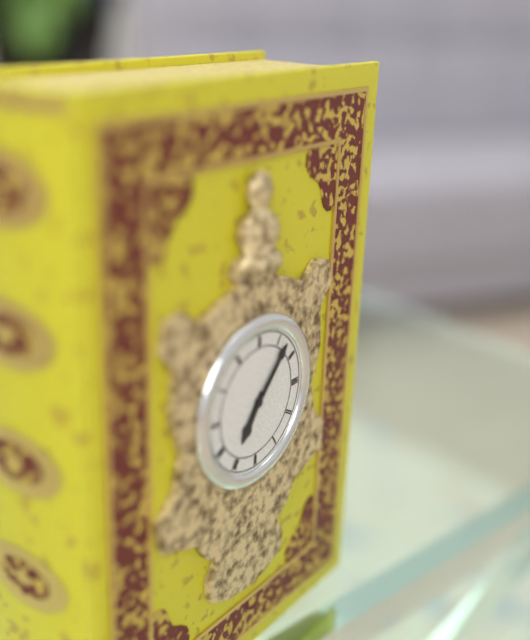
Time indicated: 7h07
